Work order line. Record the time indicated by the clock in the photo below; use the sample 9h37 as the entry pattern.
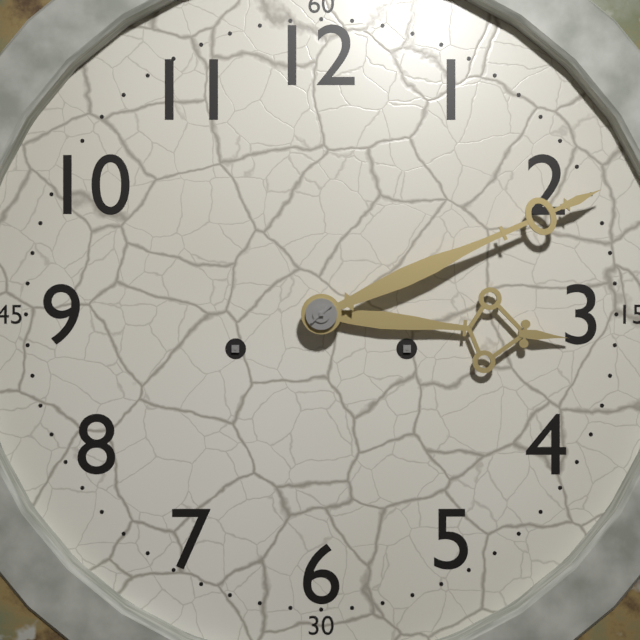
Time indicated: 3h11
